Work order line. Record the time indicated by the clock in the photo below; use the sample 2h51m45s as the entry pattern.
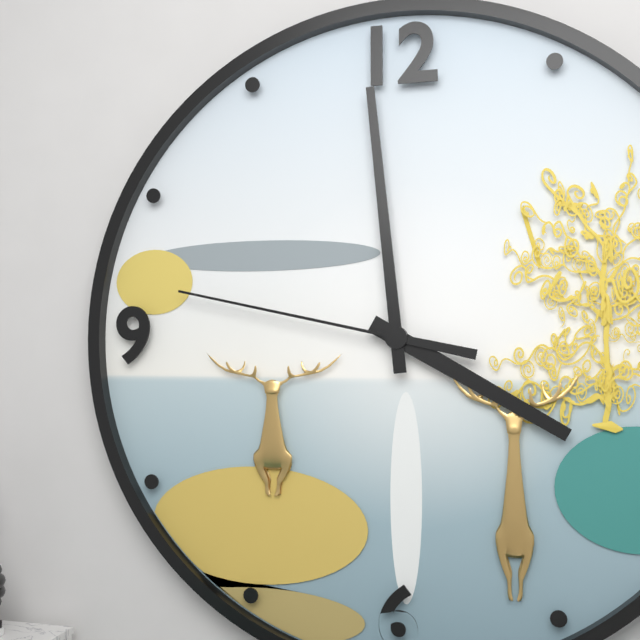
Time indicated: 3h59m47s
